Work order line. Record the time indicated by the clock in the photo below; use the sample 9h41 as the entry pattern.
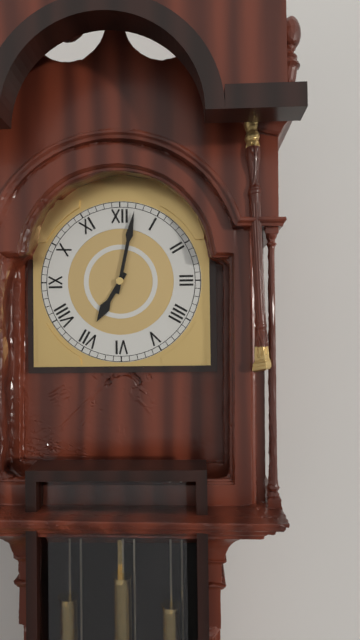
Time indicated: 7h02
